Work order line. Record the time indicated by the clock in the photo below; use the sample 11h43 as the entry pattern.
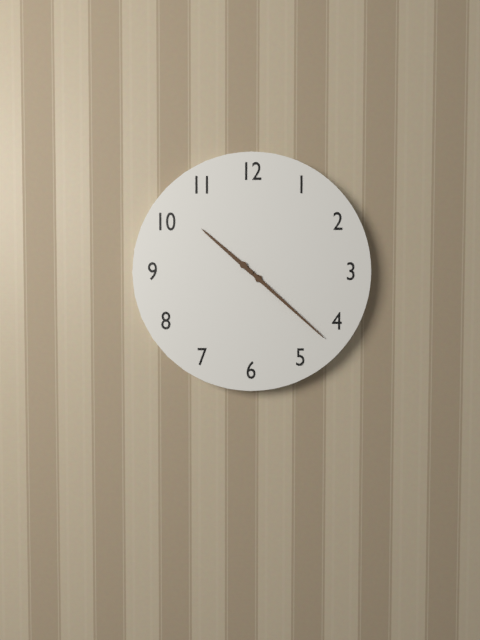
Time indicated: 10h22
